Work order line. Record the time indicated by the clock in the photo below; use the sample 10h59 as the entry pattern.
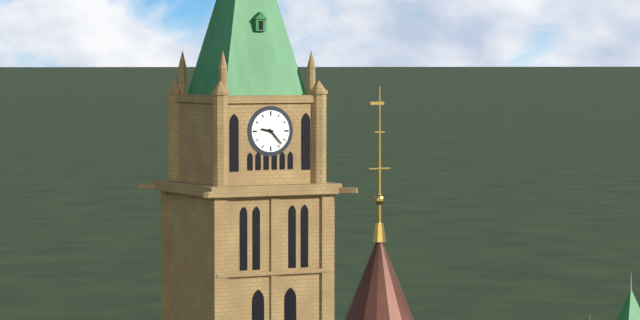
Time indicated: 9h23
